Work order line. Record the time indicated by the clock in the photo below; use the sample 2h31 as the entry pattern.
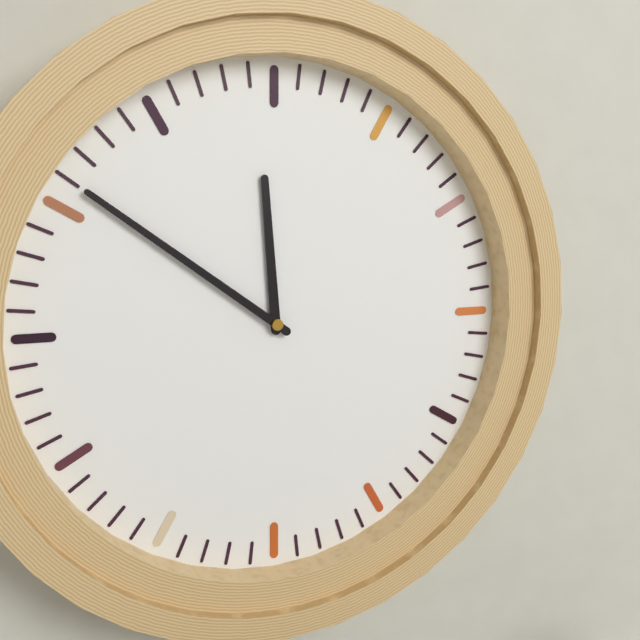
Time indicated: 11h51
